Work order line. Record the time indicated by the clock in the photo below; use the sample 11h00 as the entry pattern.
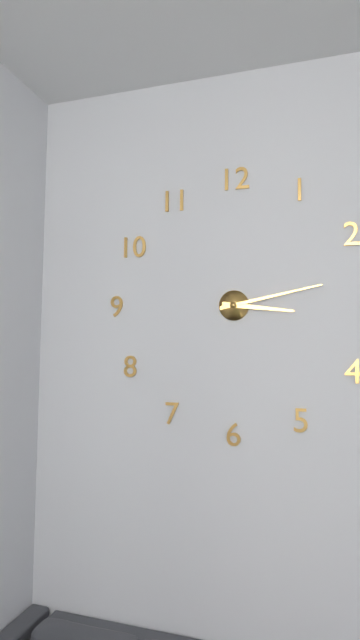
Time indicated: 3h13
